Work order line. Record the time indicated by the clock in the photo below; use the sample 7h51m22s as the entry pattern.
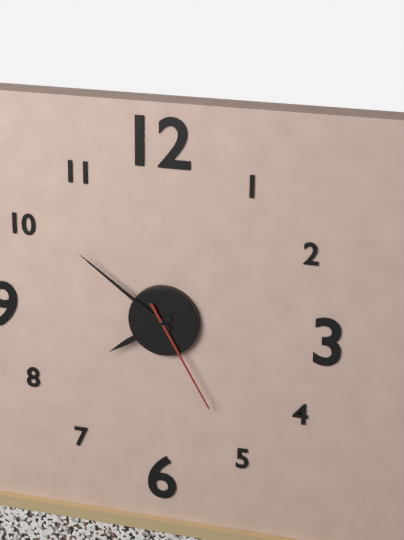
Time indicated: 7h51m25s
